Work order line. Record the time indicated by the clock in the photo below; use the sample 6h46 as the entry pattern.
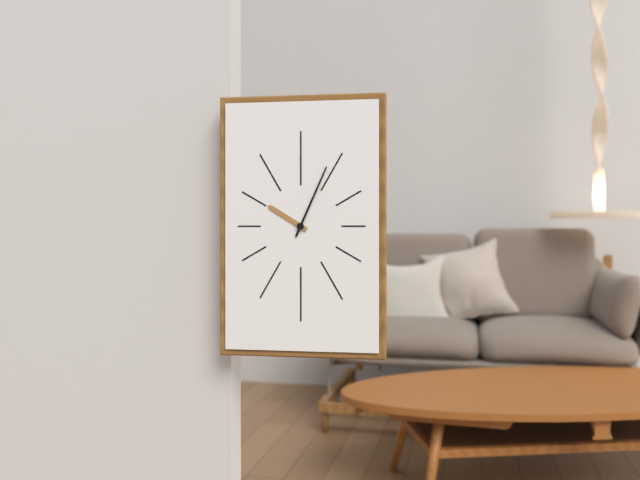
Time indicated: 10h04
